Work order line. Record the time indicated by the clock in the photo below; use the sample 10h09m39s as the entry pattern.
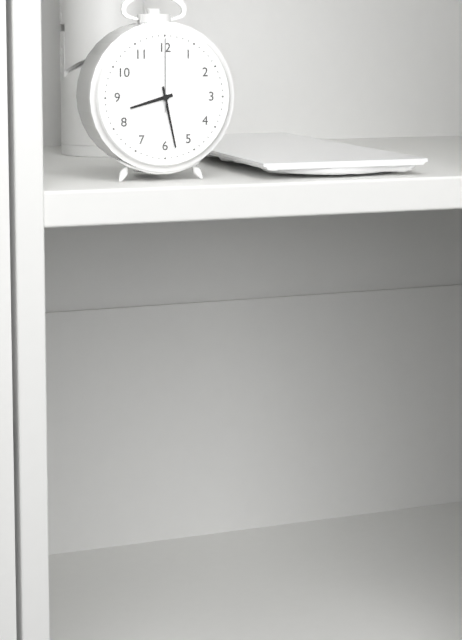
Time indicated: 8h28m00s
